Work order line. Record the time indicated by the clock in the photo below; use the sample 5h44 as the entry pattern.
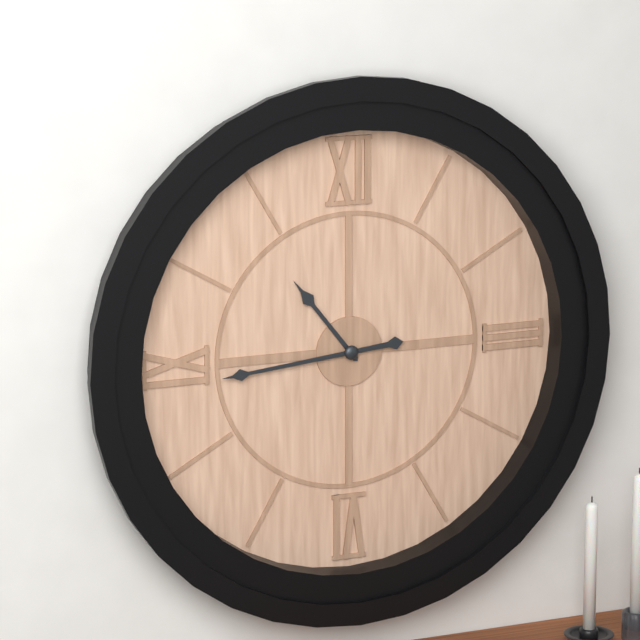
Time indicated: 10h44
